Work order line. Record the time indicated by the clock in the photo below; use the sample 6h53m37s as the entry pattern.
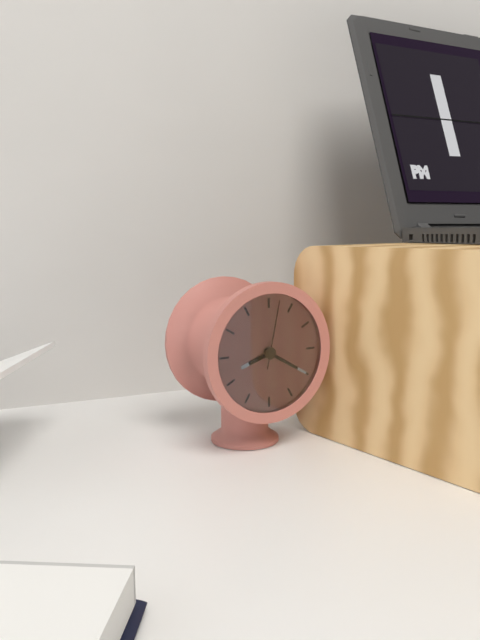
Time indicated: 8h20m02s
